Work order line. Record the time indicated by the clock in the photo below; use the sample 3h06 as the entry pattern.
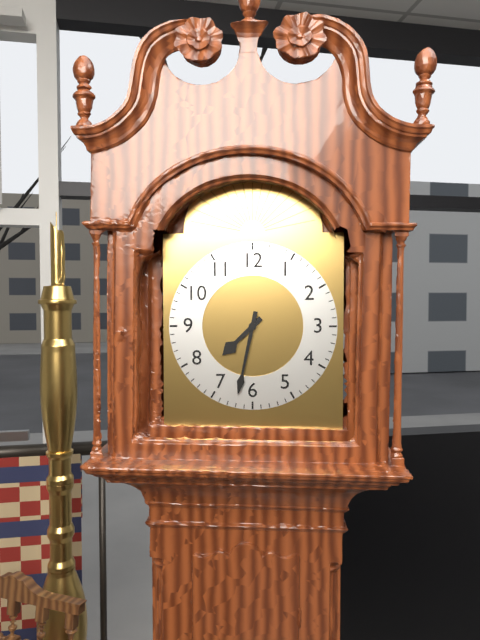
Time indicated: 7h32
